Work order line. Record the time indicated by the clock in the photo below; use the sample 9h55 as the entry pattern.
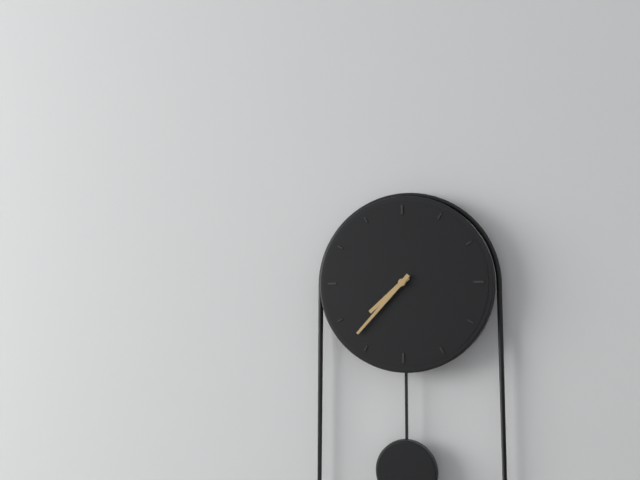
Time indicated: 7h37
